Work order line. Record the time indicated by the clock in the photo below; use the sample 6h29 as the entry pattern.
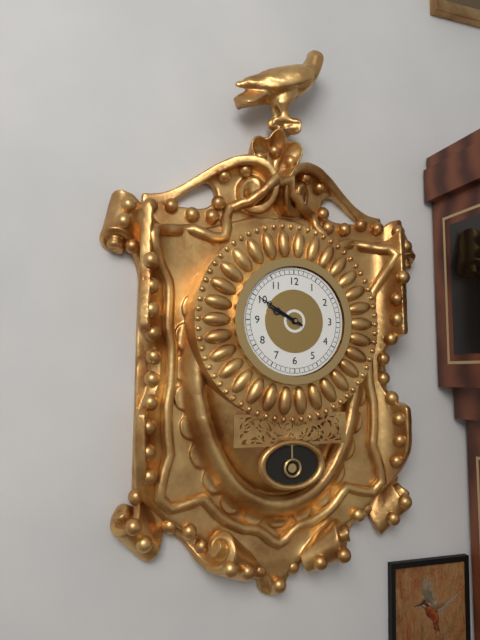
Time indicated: 9h50
